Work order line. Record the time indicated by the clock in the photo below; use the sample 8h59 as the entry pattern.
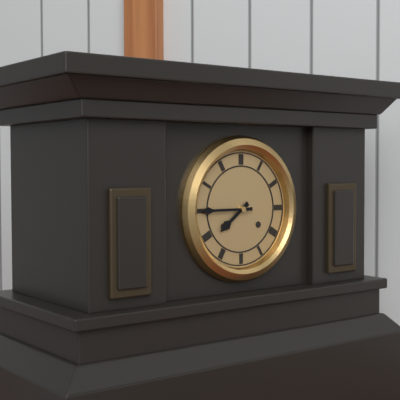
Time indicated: 7h45
